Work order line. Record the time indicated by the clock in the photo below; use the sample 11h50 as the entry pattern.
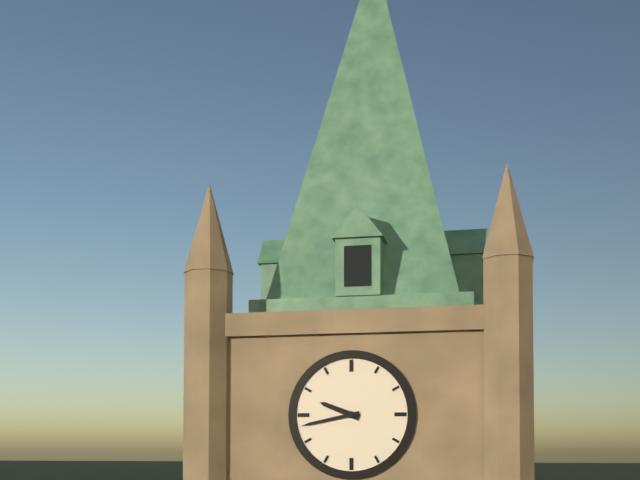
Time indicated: 9h43
